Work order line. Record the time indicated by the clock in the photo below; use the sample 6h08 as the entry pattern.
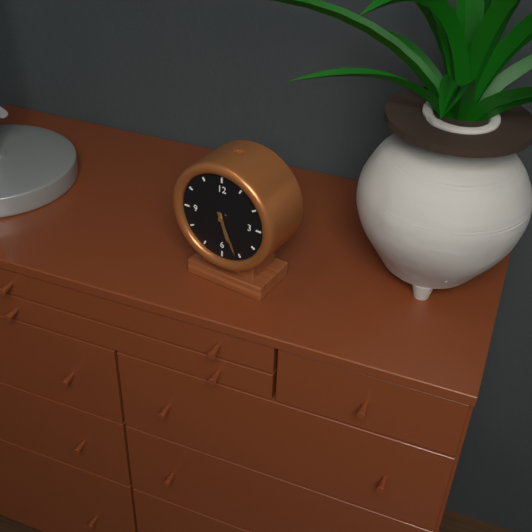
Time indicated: 5h26
